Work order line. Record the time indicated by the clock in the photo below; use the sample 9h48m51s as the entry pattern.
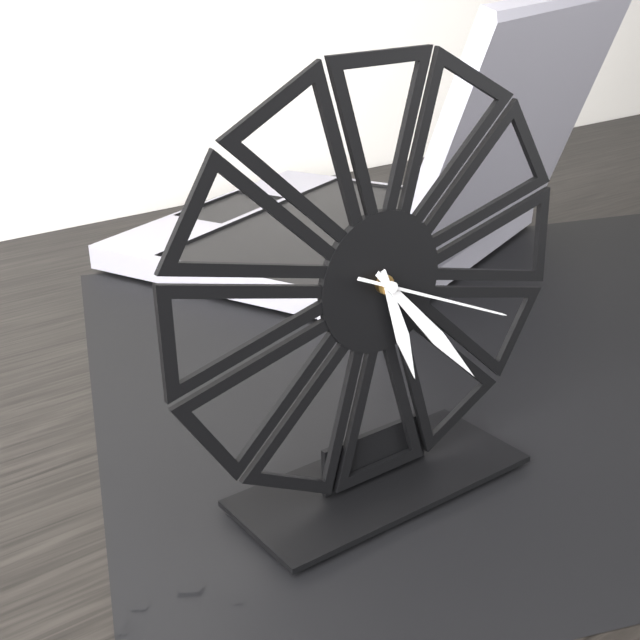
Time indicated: 5h23m19s
